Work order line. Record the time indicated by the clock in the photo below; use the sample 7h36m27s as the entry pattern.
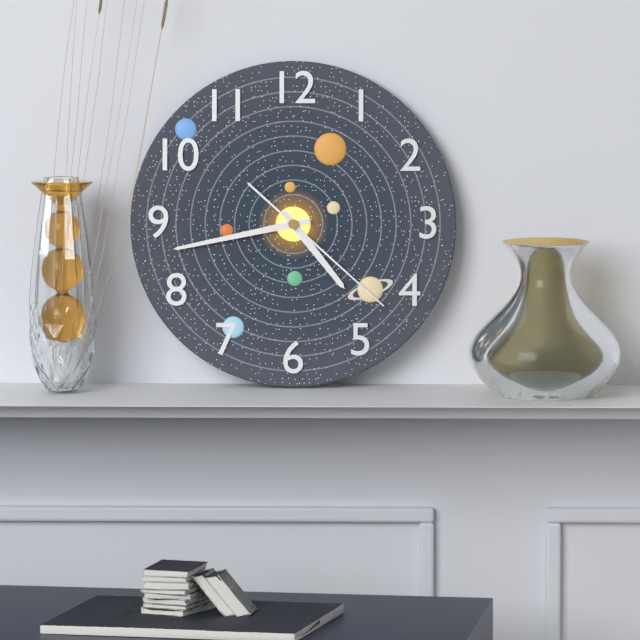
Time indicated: 4h43m22s
